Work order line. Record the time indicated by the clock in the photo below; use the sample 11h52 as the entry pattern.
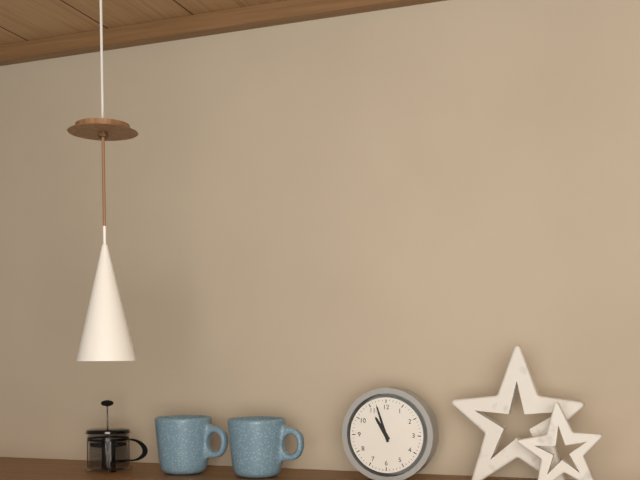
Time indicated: 10h57
